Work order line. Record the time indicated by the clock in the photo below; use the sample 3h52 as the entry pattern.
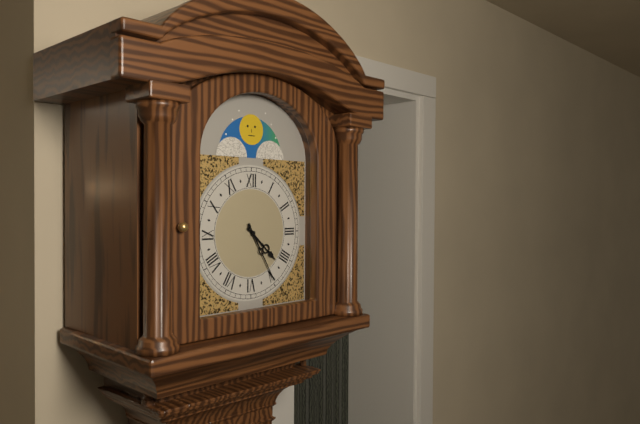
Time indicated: 4h25
